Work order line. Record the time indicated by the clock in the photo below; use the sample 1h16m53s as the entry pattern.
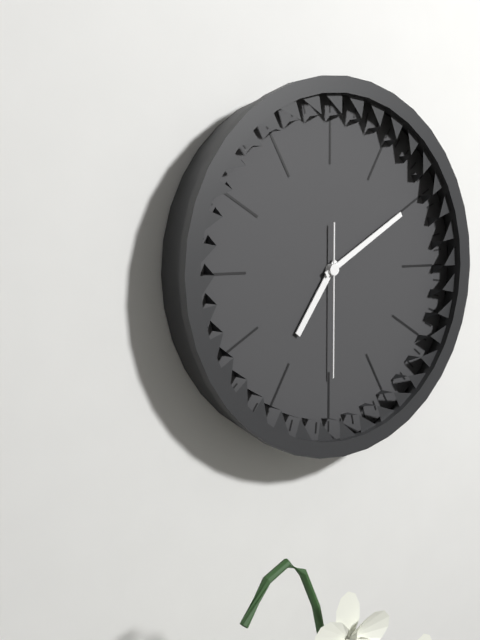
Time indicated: 7h10m30s
